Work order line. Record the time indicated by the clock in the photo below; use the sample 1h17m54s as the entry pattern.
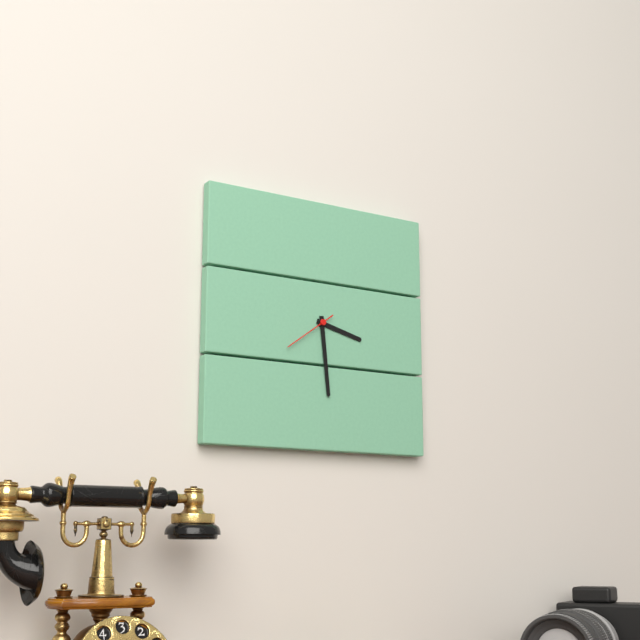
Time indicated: 3h29m39s
